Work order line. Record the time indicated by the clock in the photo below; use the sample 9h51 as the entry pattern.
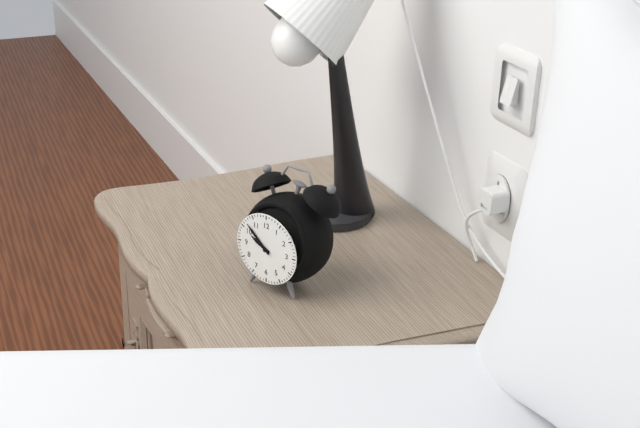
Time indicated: 9h52
